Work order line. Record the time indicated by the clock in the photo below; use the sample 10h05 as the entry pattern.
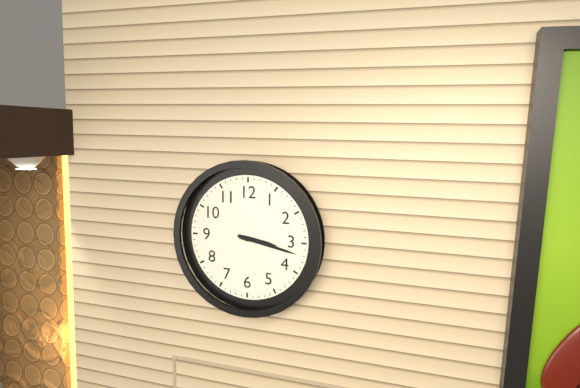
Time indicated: 3h17
